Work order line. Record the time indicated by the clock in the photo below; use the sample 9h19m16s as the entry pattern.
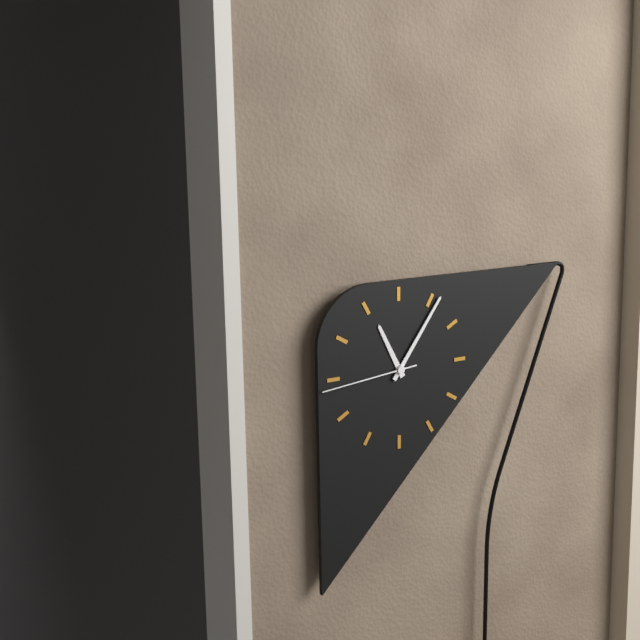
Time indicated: 11h06m44s
